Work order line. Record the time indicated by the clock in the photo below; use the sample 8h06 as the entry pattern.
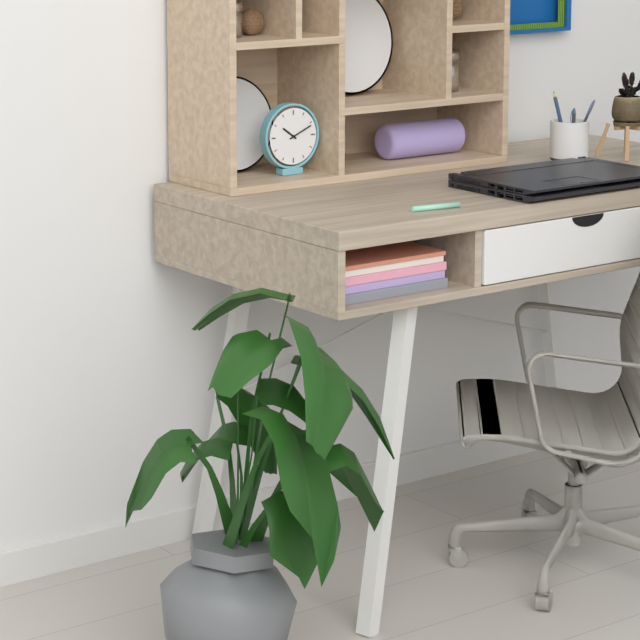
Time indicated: 10h11
